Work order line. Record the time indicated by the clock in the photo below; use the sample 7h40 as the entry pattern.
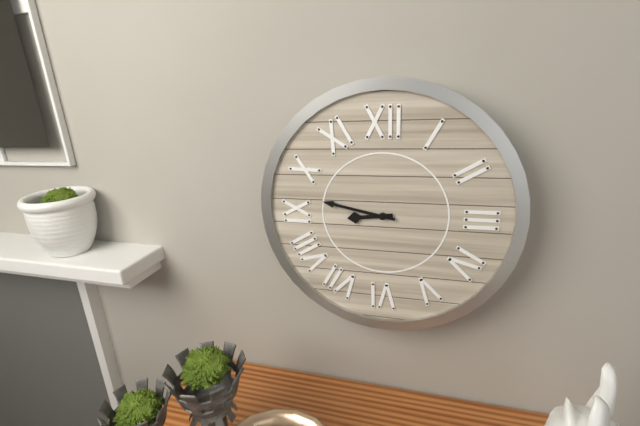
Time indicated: 8h47
